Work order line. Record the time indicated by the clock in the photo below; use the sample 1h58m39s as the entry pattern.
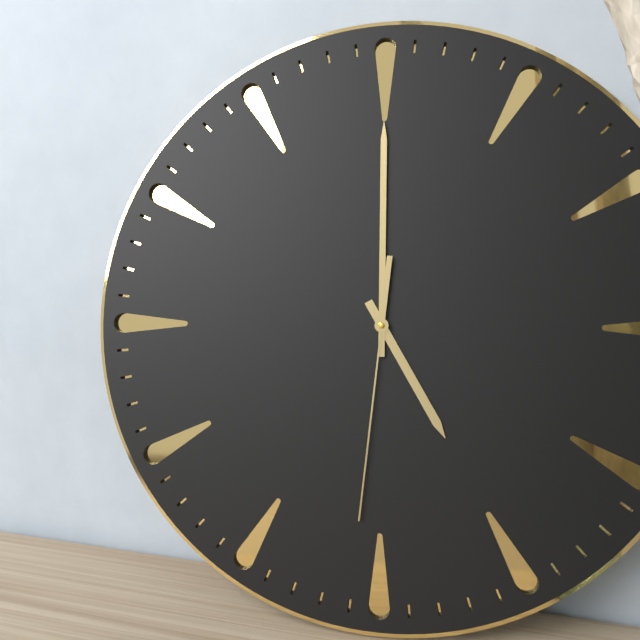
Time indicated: 5h00m31s
